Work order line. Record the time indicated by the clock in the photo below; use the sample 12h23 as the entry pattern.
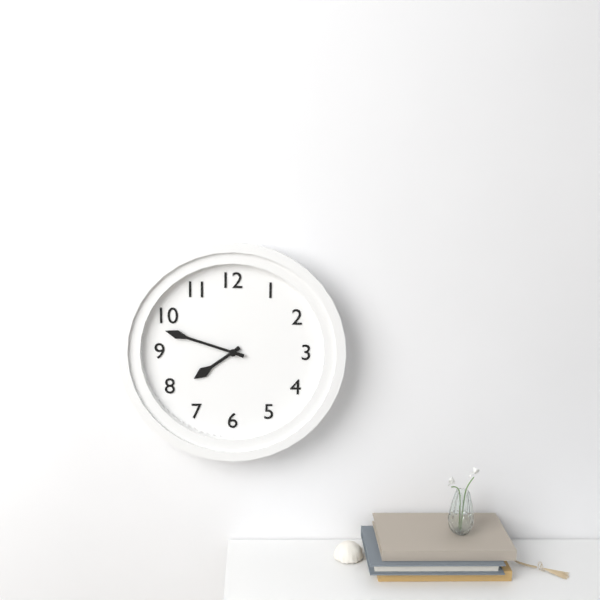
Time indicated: 7h48
